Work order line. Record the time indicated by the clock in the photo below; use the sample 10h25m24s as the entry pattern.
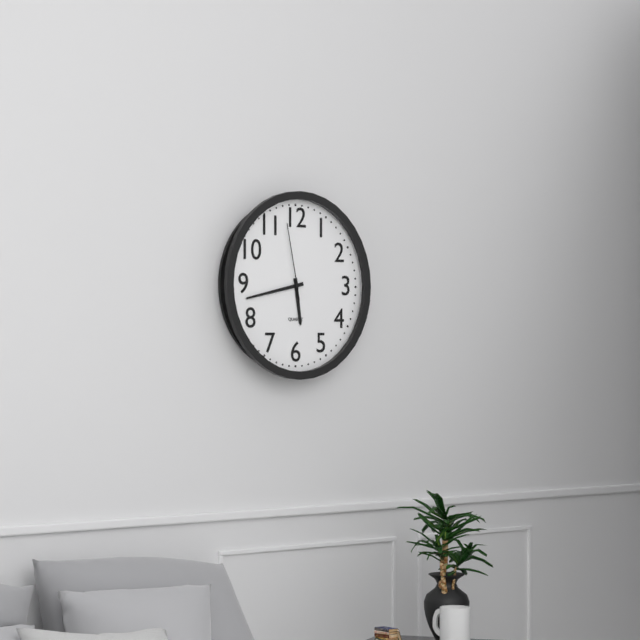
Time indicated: 5h43m58s
